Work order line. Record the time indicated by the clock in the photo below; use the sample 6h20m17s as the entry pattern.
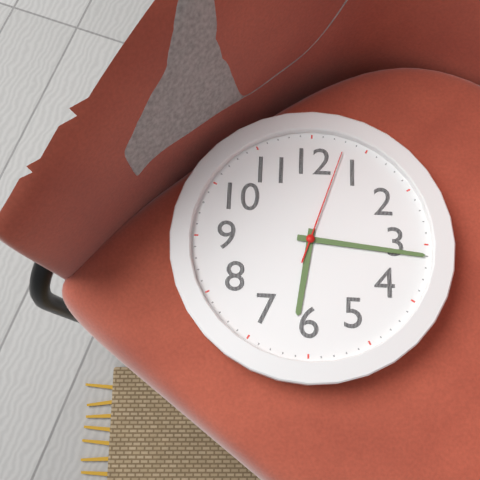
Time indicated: 6h16m03s
